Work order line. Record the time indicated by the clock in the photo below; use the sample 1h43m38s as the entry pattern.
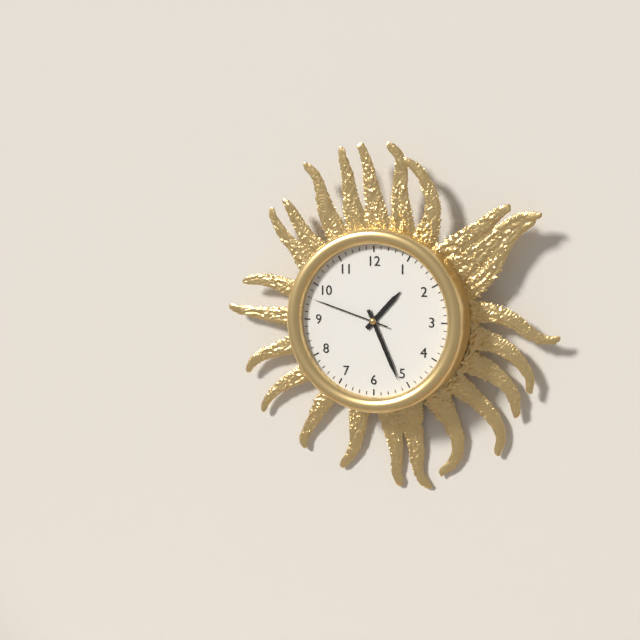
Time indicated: 1h26m48s
